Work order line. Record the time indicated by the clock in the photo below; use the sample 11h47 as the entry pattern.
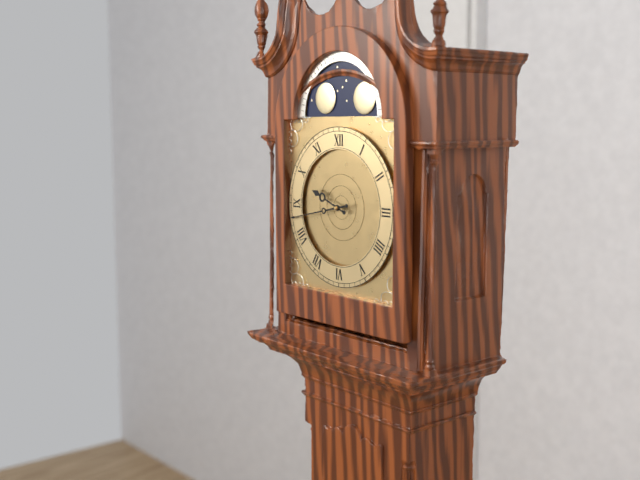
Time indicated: 9h43
